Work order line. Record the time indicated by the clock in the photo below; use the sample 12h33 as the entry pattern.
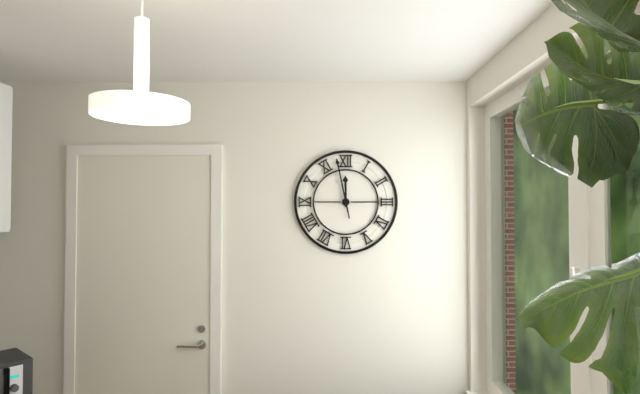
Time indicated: 11h58
